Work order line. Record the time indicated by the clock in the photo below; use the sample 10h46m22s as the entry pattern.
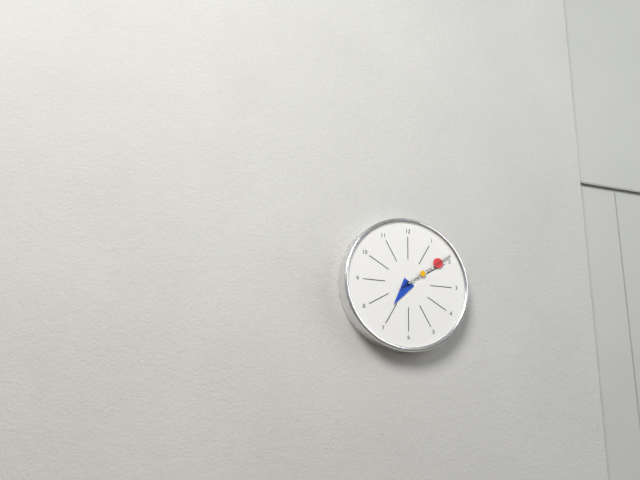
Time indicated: 7h09m09s
